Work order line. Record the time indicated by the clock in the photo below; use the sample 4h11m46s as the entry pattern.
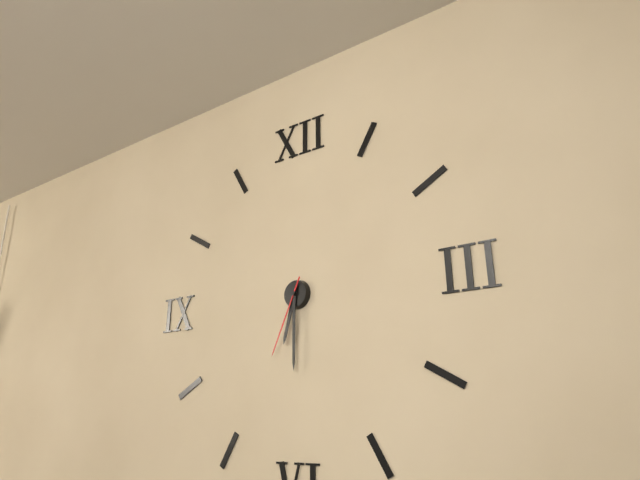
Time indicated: 6h30m34s
